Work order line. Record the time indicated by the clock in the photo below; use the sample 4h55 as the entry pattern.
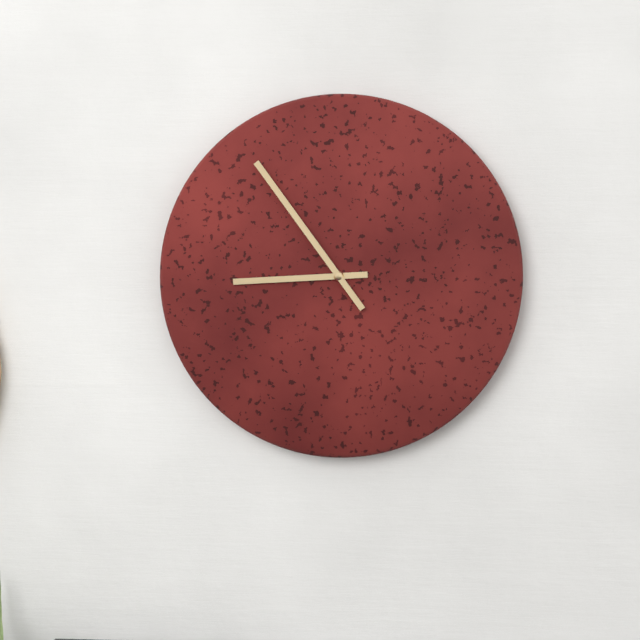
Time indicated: 8h54
